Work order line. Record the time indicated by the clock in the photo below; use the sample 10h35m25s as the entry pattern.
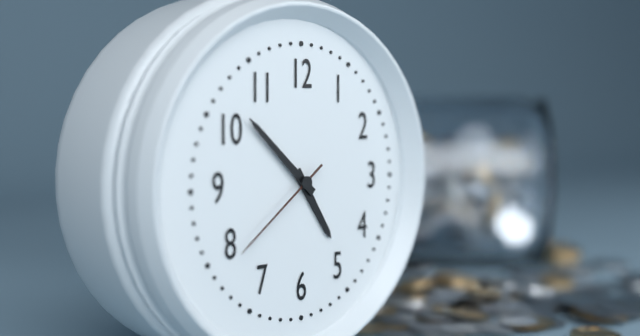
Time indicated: 4h52m39s
